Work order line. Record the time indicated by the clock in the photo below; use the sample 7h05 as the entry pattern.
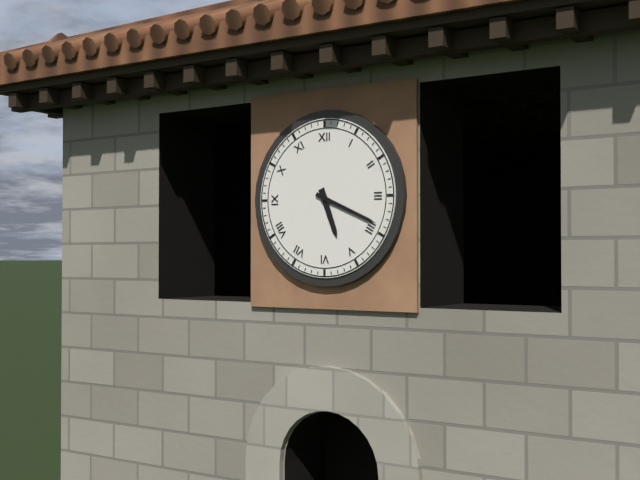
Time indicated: 5h19
